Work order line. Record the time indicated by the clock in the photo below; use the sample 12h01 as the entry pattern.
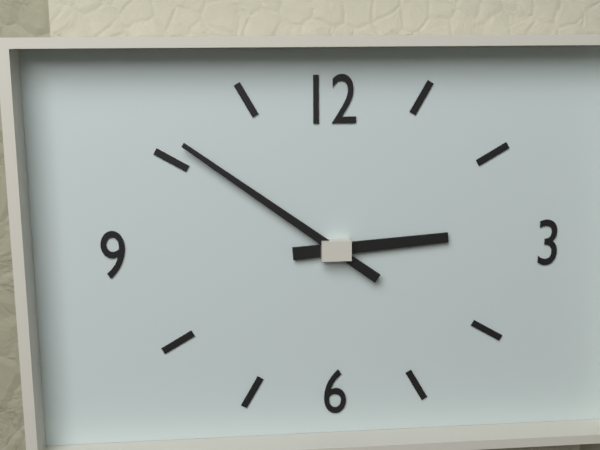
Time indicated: 2h51
